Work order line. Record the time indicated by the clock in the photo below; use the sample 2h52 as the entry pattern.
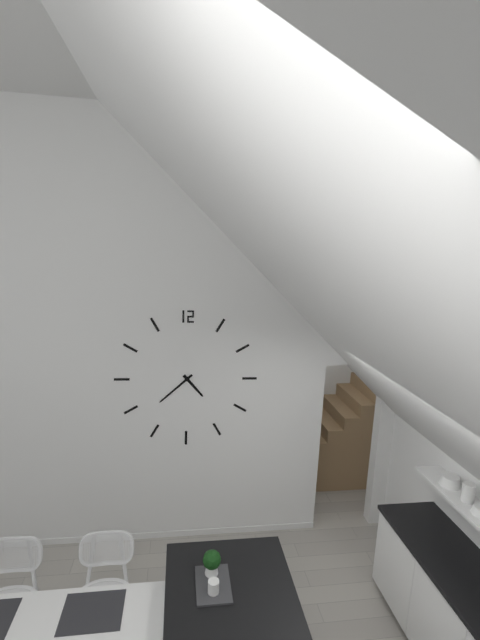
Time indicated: 4h38
